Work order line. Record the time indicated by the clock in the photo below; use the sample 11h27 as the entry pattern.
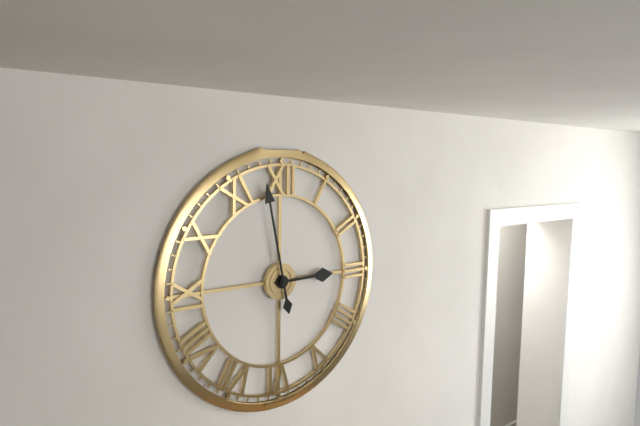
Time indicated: 2h58
